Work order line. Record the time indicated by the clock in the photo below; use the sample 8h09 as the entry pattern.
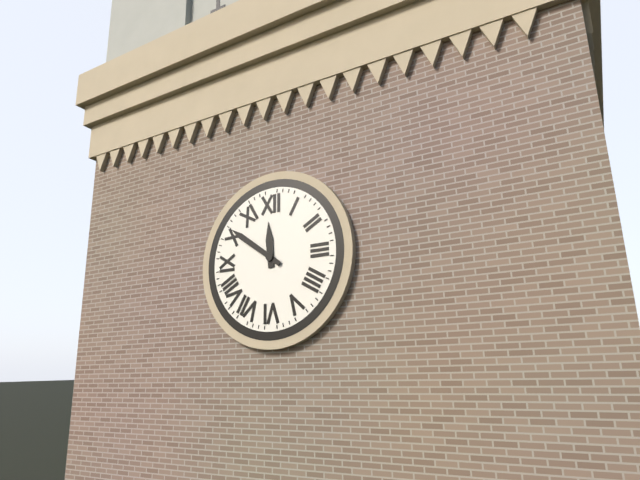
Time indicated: 11h51
